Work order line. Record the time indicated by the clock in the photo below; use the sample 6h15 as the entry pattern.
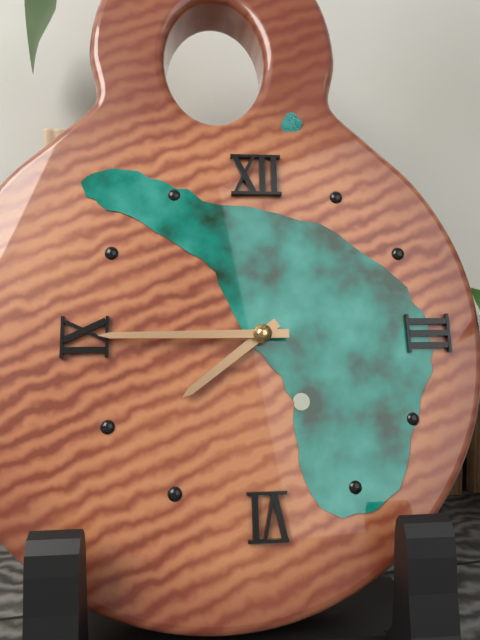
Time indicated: 7h45
